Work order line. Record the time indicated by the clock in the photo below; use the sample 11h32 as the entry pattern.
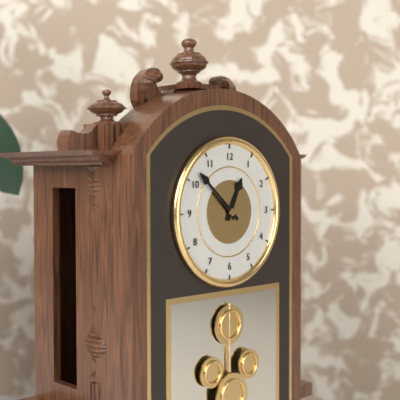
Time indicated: 12h52
